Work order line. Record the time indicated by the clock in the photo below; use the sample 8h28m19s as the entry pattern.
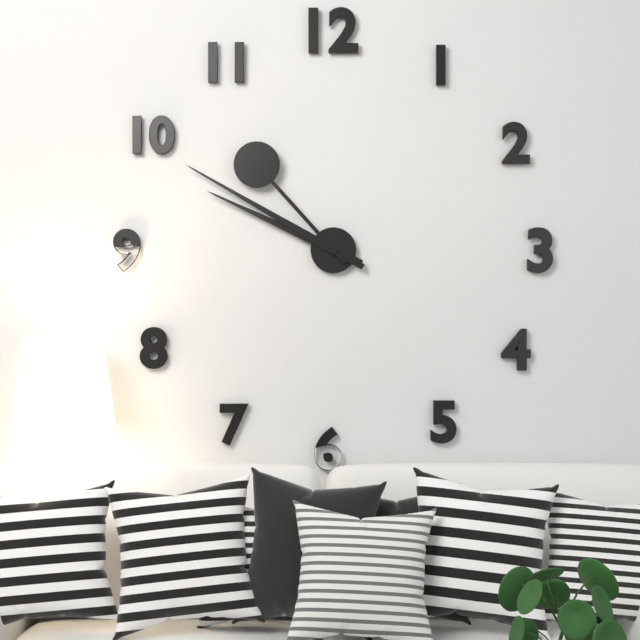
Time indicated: 9h50m53s
